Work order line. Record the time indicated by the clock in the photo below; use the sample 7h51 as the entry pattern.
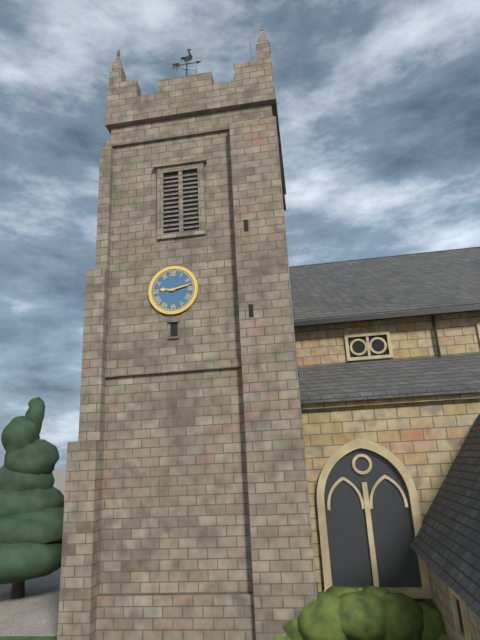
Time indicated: 9h13
